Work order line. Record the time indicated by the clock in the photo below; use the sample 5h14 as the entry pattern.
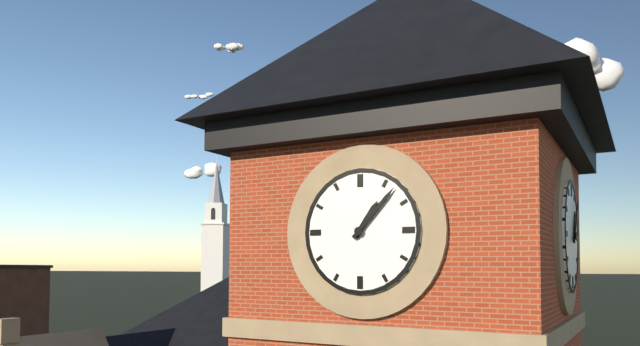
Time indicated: 1h07
